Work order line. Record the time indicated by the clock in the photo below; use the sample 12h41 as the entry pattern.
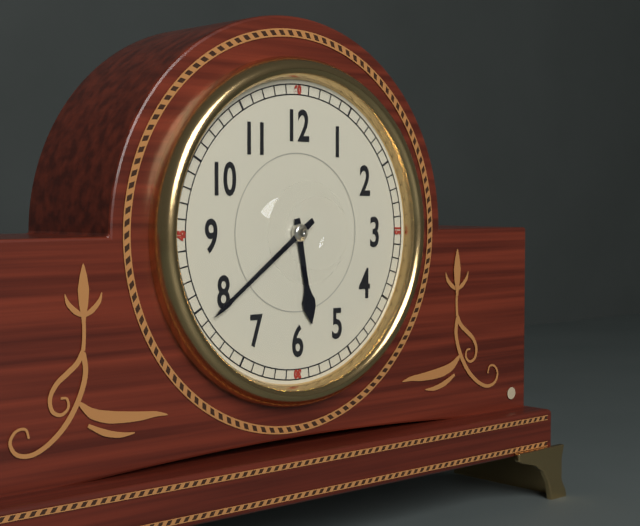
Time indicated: 5h39
